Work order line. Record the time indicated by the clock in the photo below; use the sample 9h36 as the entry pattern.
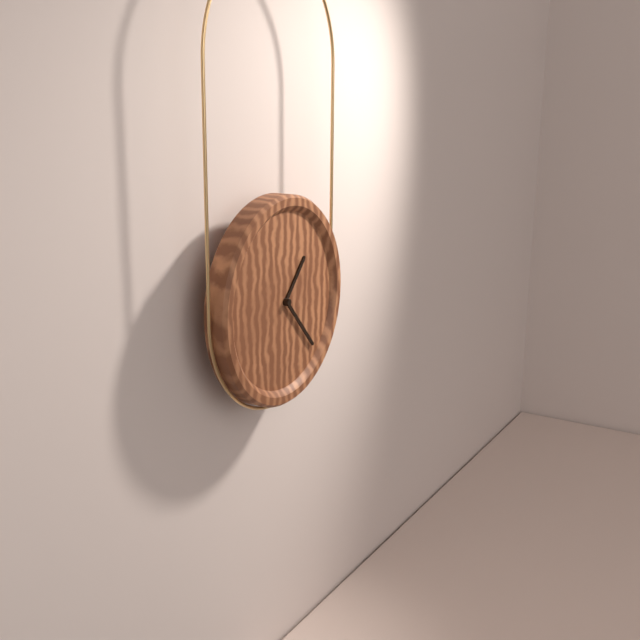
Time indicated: 1h23
